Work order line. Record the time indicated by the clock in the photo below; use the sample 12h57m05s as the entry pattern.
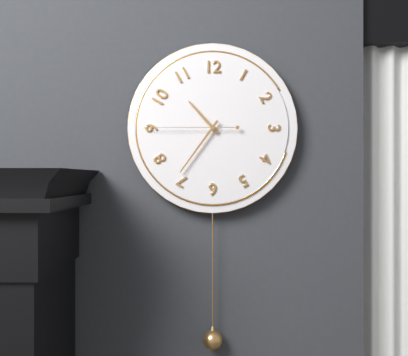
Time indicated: 10h36m45s
